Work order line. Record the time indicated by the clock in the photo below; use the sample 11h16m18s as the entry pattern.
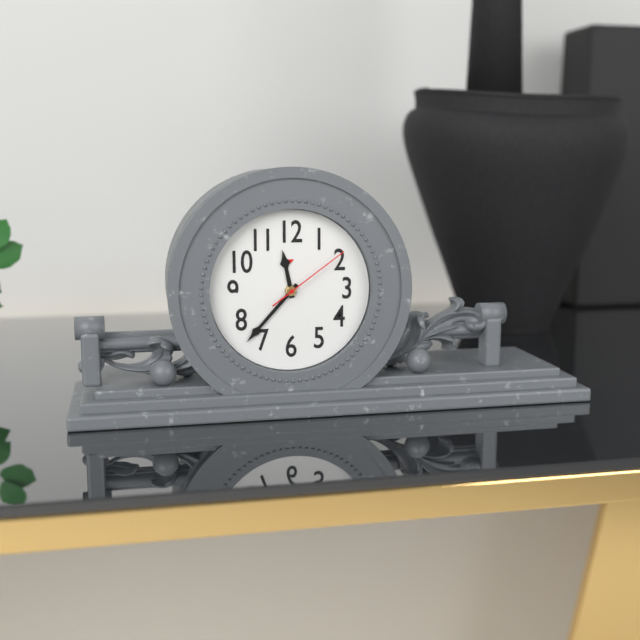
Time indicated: 11h37m09s
